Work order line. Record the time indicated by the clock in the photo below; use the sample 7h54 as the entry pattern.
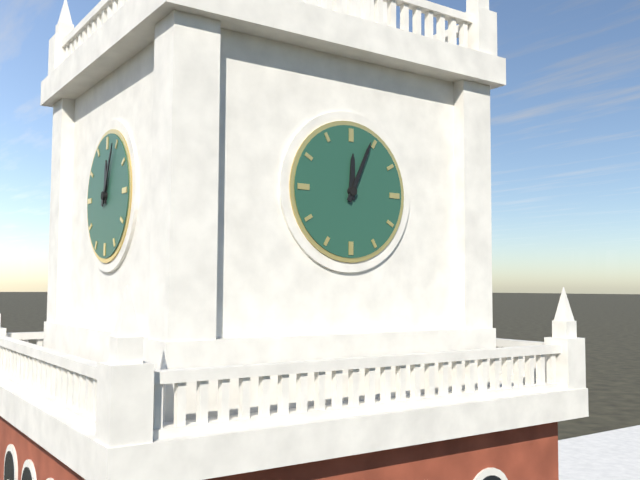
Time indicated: 12h04
